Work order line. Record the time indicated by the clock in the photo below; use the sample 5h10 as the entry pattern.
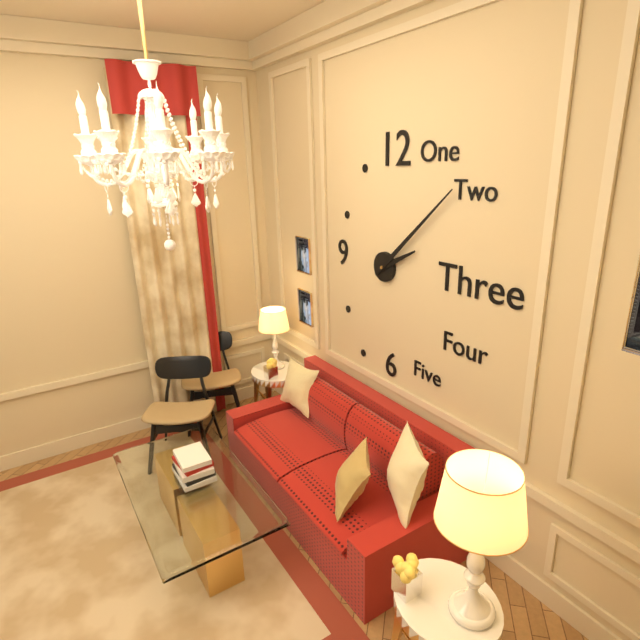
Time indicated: 2h08
